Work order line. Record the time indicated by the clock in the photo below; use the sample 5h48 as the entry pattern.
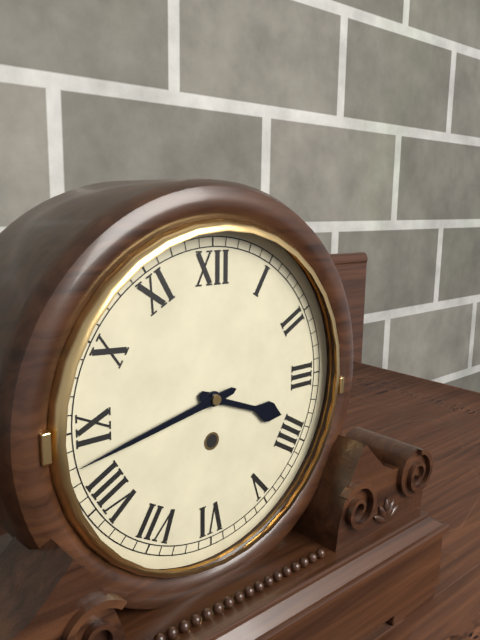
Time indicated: 3h43
